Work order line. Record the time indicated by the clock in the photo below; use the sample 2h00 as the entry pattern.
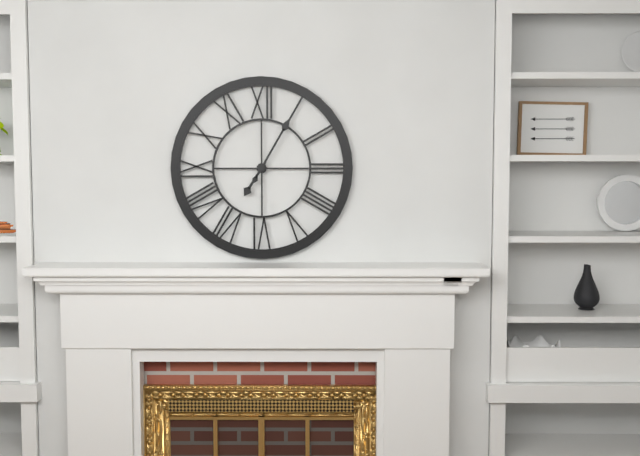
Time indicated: 7h05
